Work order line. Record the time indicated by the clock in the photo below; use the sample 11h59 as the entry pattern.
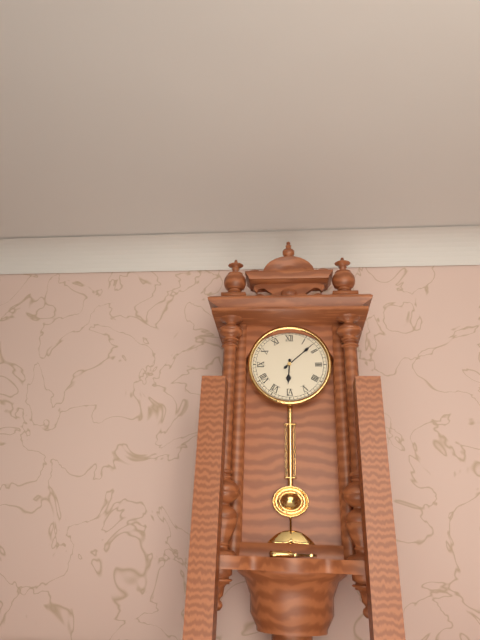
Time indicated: 6h08
